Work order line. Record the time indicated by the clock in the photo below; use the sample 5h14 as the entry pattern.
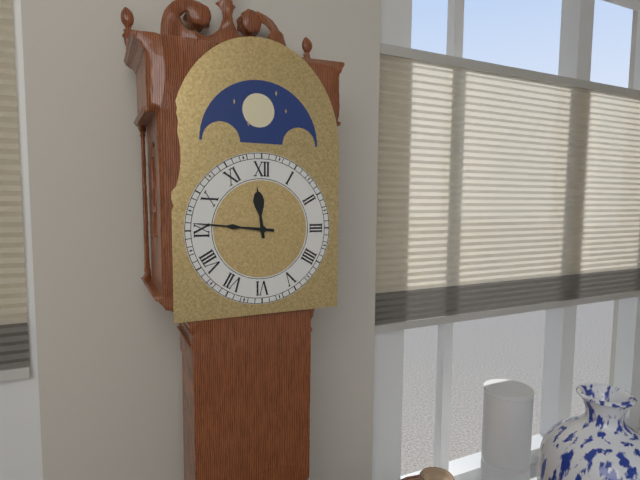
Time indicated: 11h46
